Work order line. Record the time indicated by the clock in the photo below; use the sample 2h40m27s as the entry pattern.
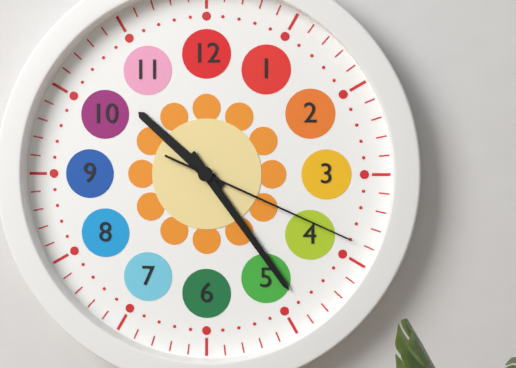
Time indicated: 10h24m19s
